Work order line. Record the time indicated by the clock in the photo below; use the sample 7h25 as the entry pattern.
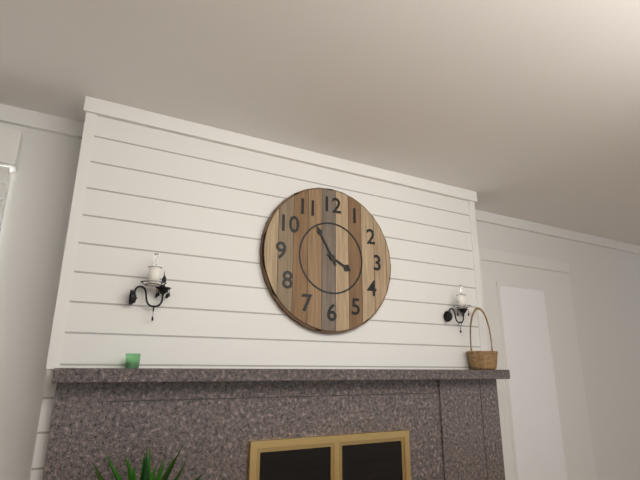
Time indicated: 3h55
